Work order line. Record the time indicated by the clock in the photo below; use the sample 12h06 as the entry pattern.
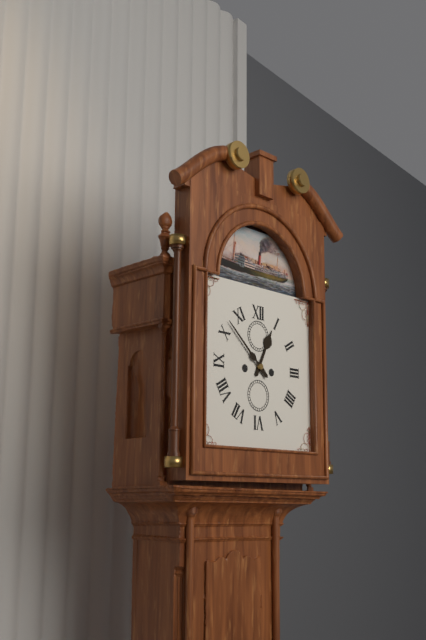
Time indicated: 12h52
